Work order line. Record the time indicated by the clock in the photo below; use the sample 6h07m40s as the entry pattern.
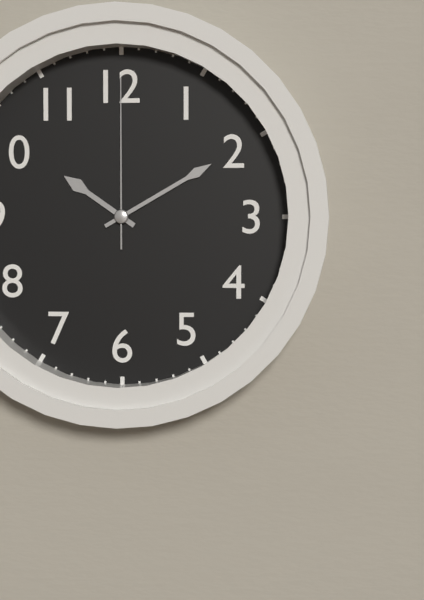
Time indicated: 10h10m00s
